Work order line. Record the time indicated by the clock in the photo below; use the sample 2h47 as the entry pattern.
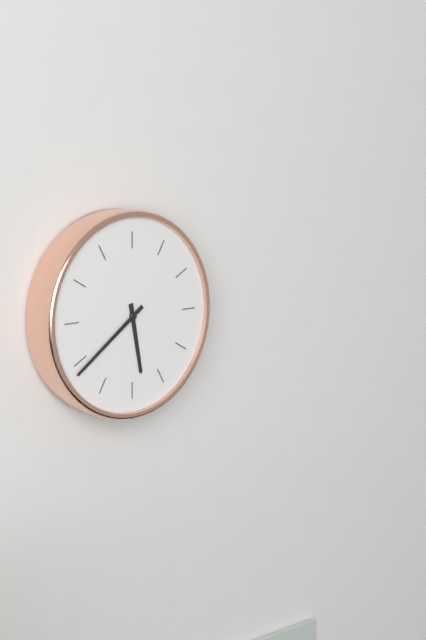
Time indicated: 5h39
